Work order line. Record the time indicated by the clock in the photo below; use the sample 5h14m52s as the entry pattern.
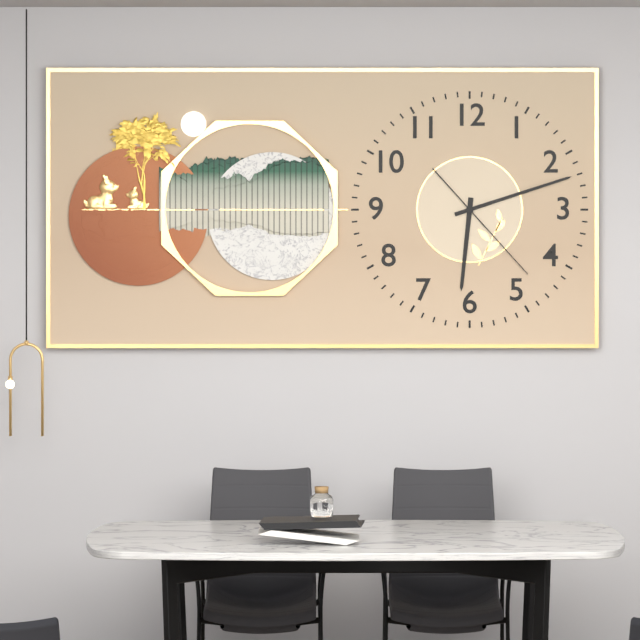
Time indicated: 6h12m23s
